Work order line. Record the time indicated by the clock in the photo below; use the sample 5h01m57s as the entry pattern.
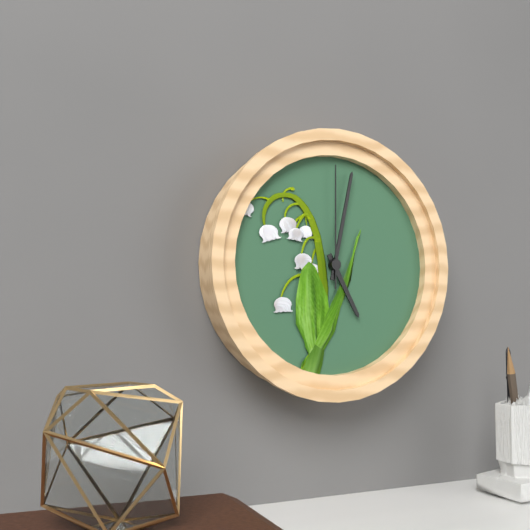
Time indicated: 5h02m00s
